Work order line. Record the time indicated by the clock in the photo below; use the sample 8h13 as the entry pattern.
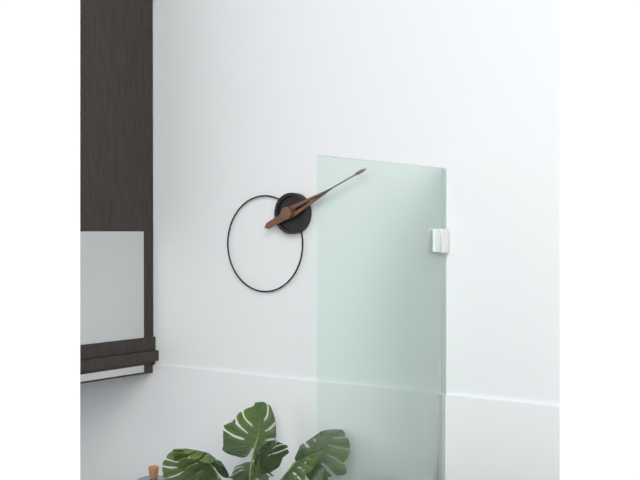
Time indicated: 2h11
